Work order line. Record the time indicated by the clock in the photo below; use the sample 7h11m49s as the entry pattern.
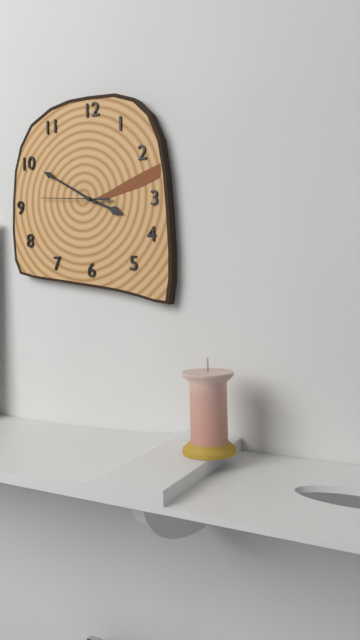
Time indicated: 3h50m46s
